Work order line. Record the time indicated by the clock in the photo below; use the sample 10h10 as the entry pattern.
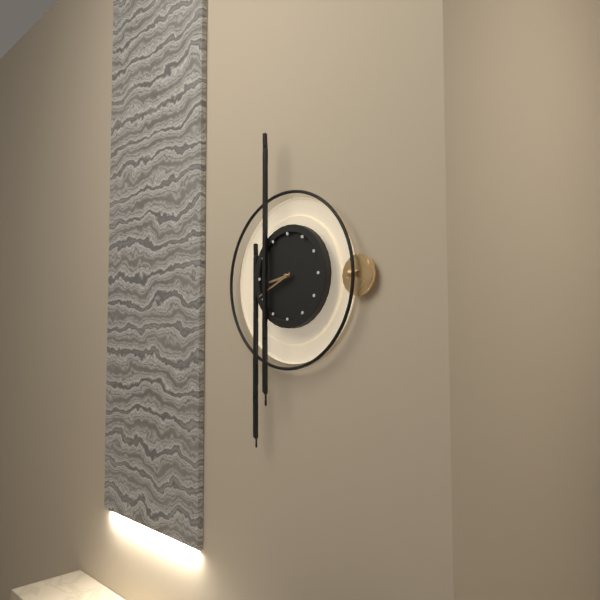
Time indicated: 8h41
